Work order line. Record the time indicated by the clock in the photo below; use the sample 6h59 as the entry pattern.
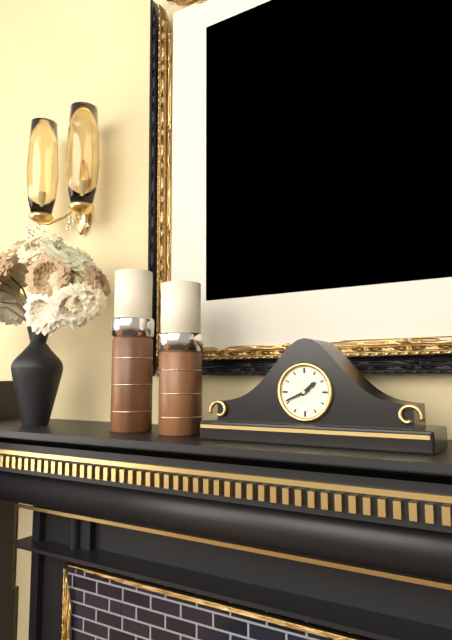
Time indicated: 1h41
